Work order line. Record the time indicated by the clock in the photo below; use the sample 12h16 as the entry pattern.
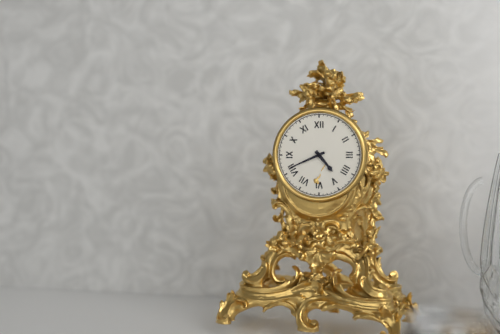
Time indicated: 4h41
